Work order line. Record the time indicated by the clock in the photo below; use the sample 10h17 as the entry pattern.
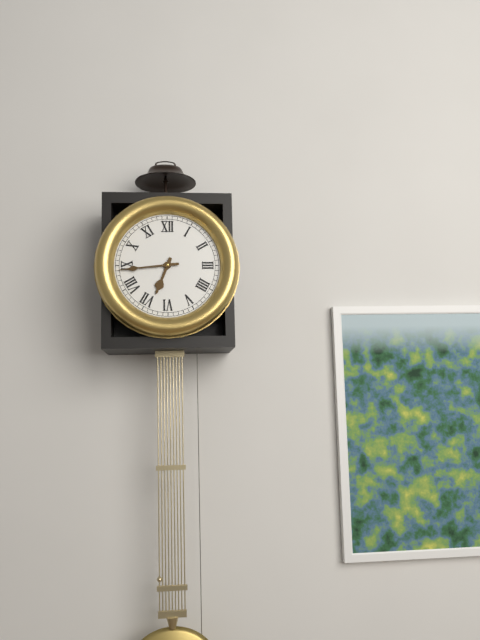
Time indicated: 6h44
